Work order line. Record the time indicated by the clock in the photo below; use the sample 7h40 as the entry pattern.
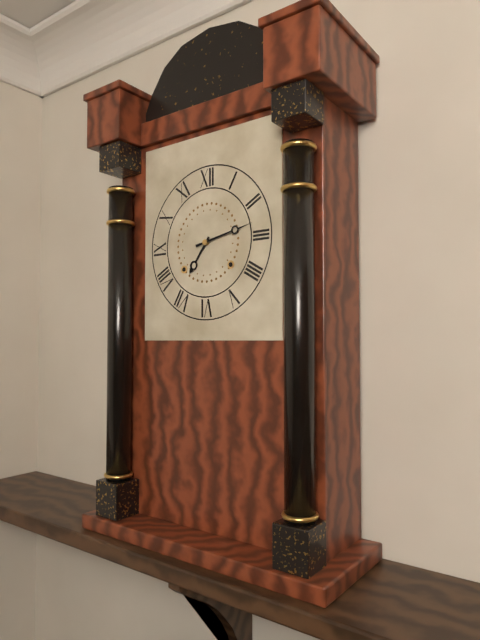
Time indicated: 7h13
